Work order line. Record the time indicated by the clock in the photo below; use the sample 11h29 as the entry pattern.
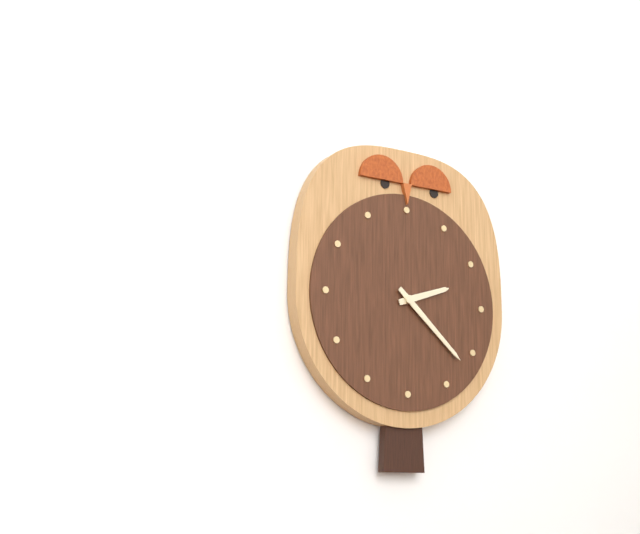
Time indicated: 2h22
